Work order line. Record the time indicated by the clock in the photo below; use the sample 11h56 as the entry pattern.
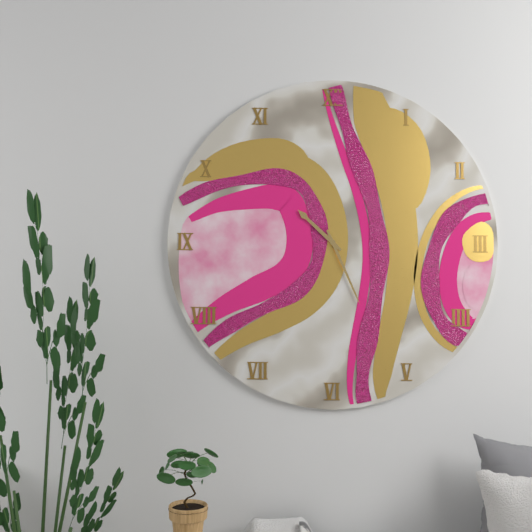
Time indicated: 10h26
